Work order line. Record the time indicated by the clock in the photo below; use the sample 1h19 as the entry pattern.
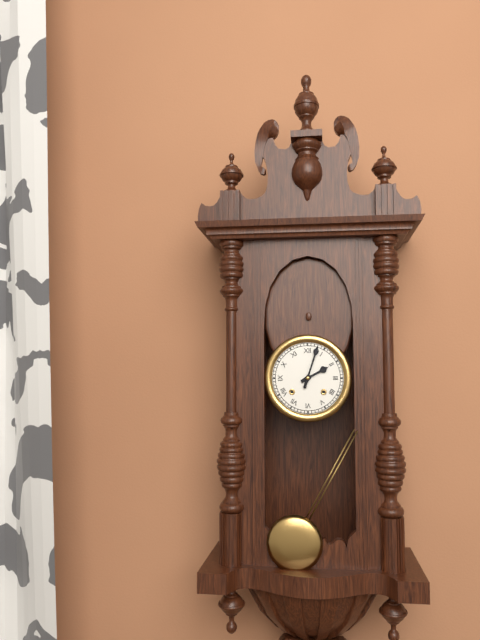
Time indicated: 2h03
